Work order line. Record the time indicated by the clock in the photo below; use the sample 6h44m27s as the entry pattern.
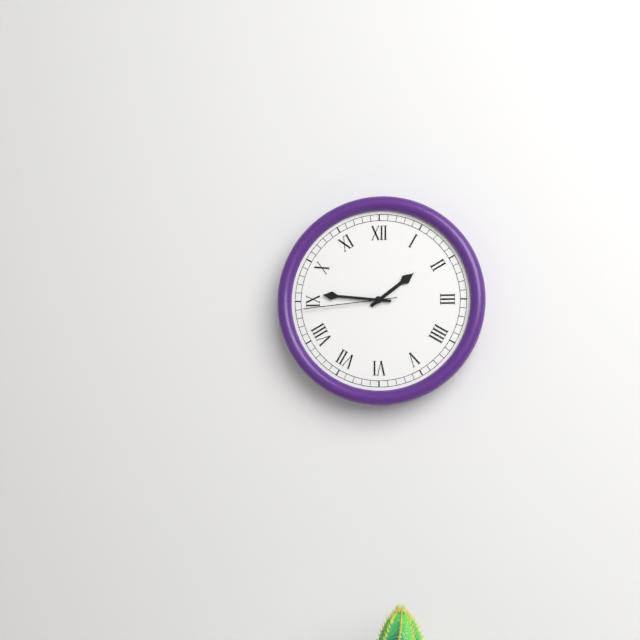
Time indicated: 1h46m44s
